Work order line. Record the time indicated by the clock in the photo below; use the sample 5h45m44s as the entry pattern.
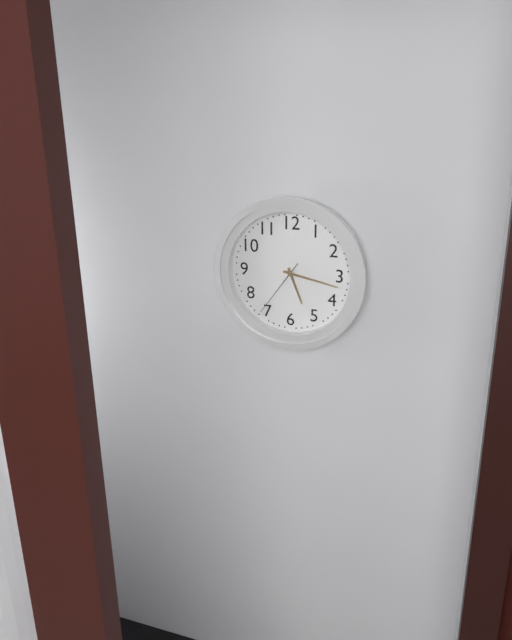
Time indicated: 5h17m36s
